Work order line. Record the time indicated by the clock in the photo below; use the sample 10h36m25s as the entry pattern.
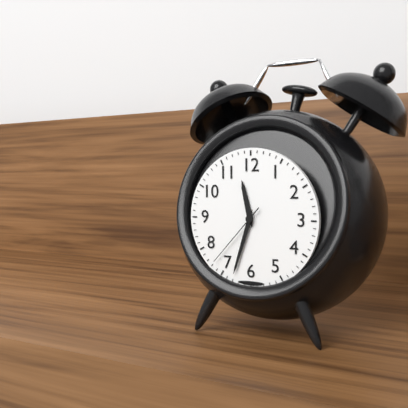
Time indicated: 11h33m37s
